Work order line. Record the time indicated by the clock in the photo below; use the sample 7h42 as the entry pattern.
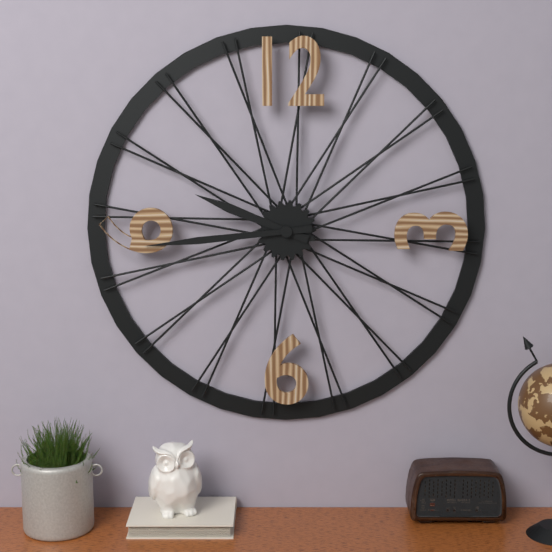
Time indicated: 9h44
